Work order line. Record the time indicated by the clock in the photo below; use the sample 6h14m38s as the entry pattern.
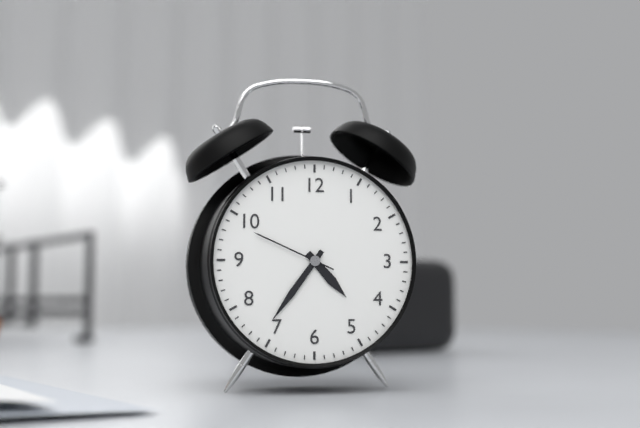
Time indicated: 4h36m49s
